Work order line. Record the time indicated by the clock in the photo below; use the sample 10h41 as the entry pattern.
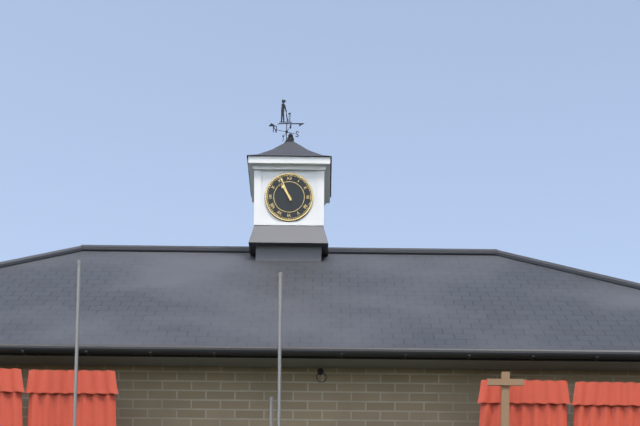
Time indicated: 10h56
